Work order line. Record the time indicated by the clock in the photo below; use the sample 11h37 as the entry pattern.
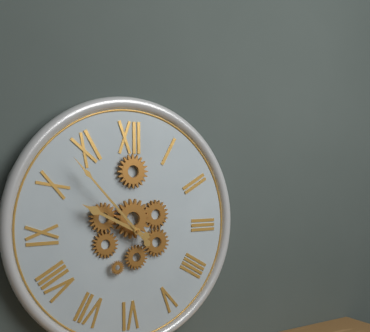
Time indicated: 9h53
